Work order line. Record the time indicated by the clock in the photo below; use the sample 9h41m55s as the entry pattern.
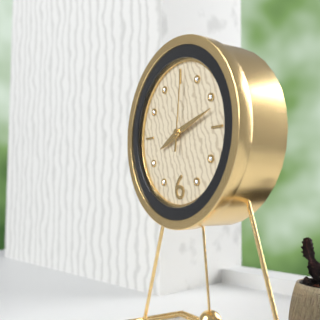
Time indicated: 8h12m01s
